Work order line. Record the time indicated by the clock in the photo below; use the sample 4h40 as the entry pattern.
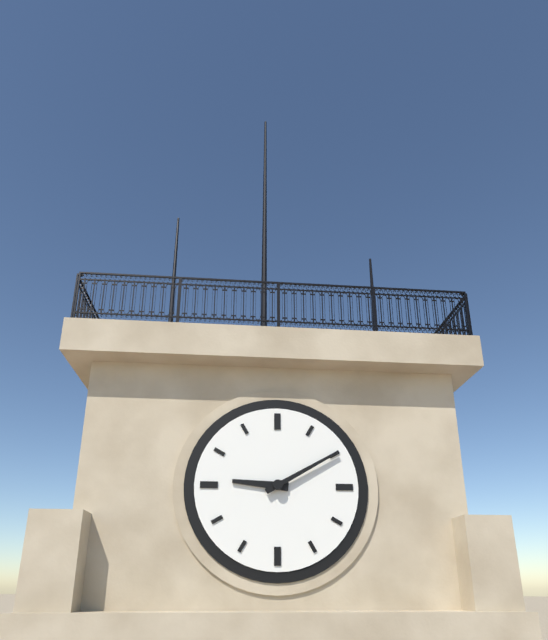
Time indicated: 9h10
